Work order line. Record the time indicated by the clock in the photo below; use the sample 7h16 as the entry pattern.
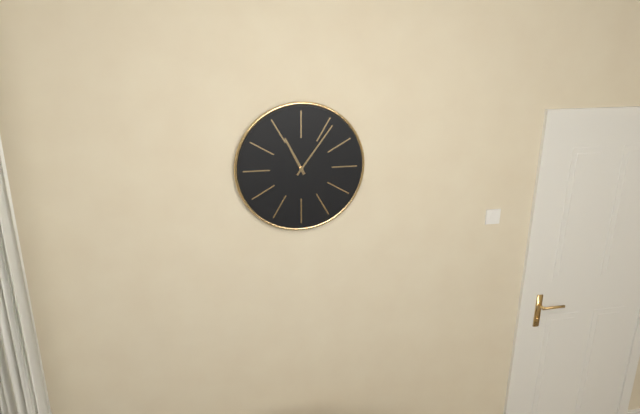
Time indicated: 11h06
